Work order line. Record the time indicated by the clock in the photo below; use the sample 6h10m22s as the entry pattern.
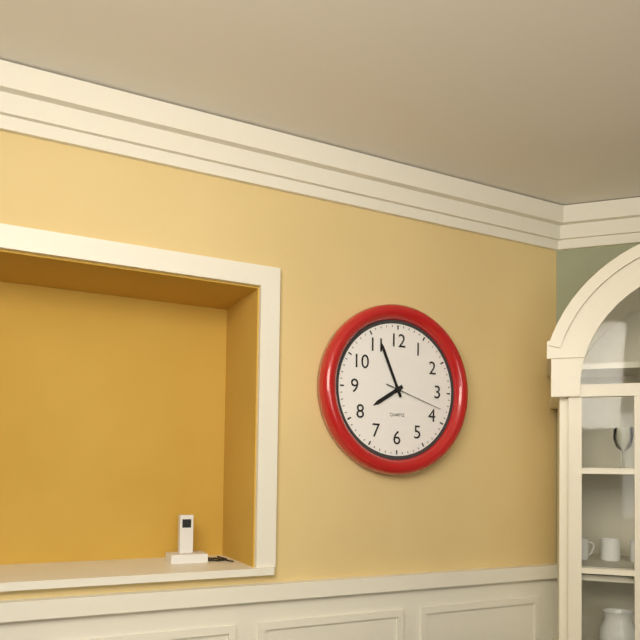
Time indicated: 7h56m18s
